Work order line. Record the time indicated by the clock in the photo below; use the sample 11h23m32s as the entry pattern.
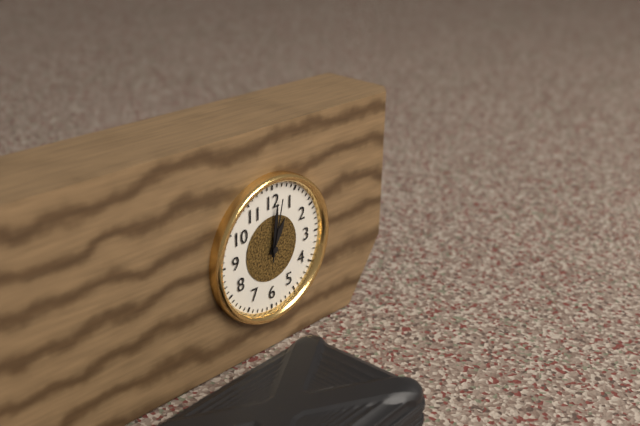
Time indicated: 1h01m02s
